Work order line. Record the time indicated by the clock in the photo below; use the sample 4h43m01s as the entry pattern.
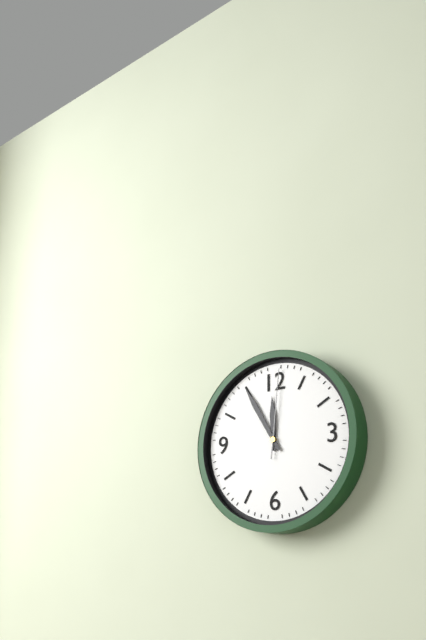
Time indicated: 11h55m01s
